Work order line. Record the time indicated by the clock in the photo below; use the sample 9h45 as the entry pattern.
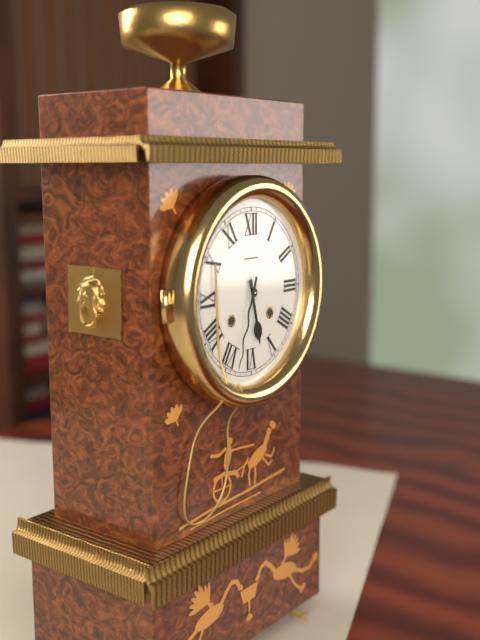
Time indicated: 5h33
